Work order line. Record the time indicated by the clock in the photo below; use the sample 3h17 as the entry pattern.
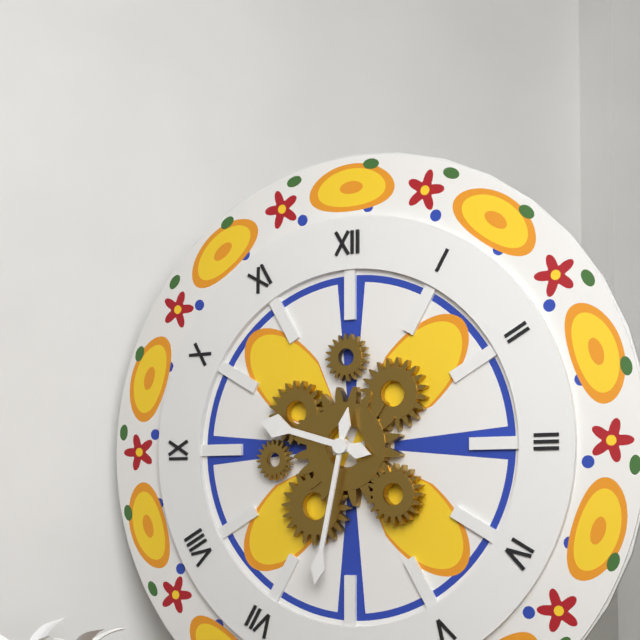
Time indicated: 9h32
